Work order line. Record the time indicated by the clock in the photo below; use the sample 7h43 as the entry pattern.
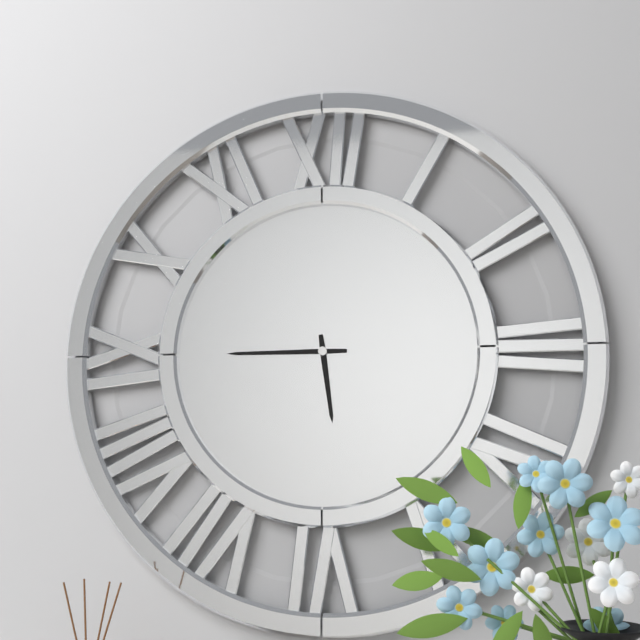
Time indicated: 5h45
